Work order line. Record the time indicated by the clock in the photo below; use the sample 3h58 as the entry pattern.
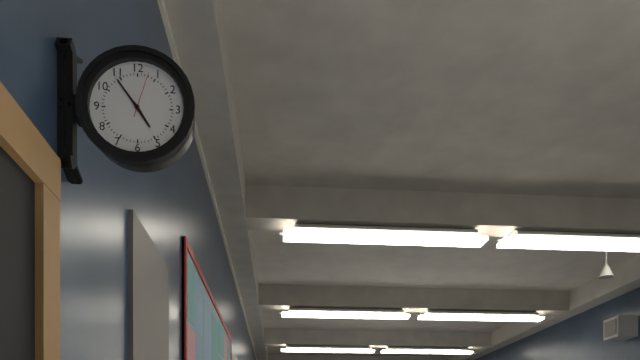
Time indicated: 4h54
